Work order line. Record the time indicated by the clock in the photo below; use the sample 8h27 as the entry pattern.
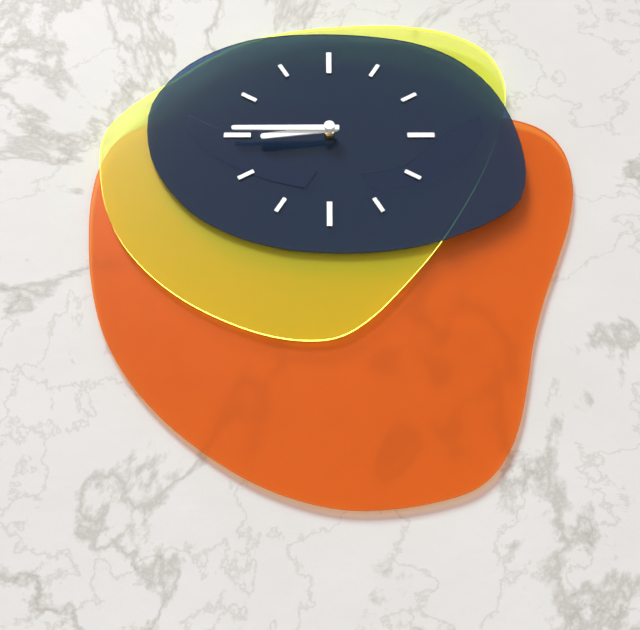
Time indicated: 8h45
